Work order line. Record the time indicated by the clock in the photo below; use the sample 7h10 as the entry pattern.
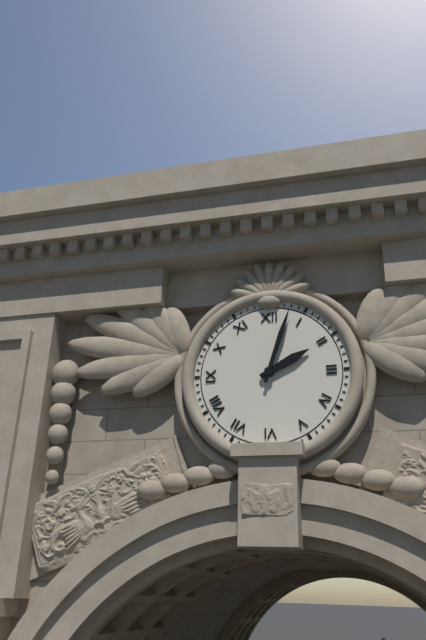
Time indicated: 2h03
